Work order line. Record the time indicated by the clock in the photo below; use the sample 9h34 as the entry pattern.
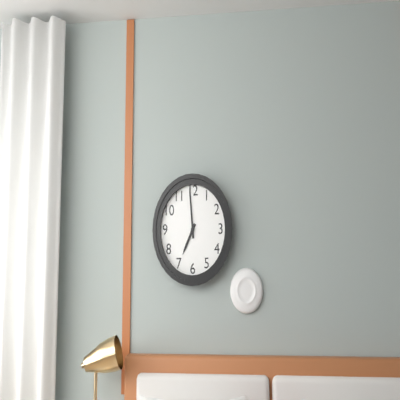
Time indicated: 6h59
